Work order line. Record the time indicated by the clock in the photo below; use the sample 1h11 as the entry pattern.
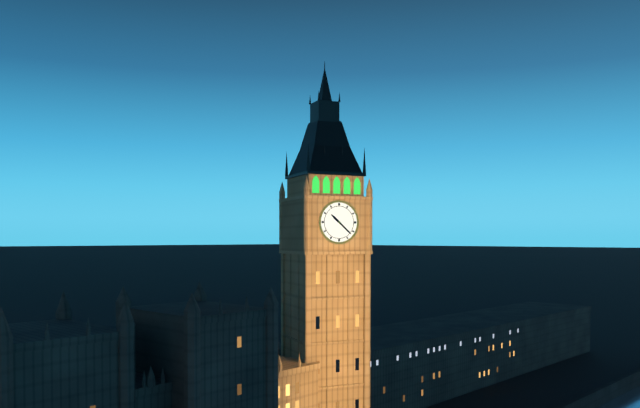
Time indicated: 10h22
